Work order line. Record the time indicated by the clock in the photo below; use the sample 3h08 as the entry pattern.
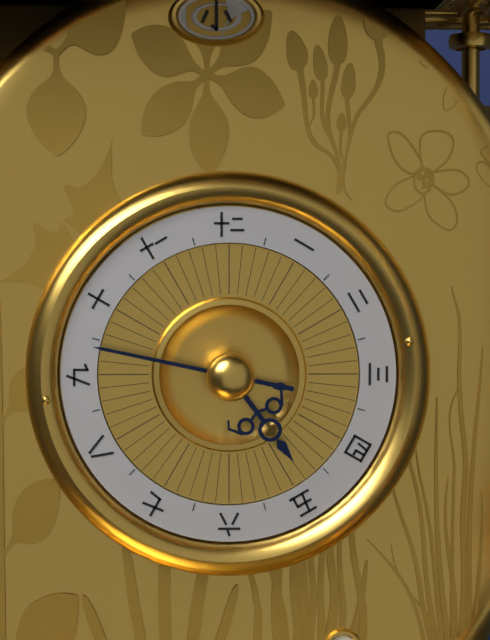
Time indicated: 4h47
